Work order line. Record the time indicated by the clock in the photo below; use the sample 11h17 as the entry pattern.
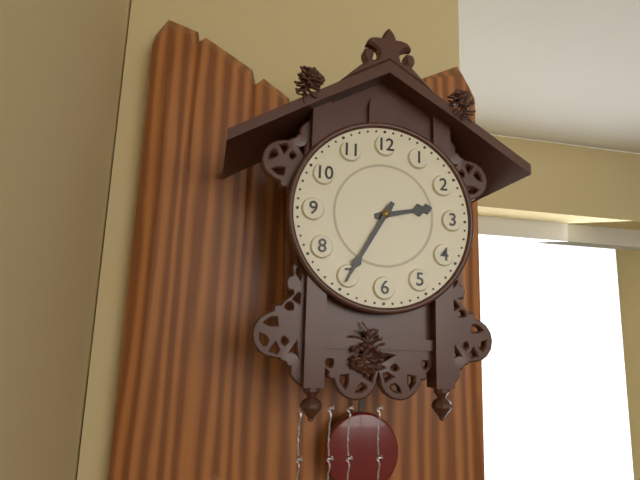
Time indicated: 2h35
